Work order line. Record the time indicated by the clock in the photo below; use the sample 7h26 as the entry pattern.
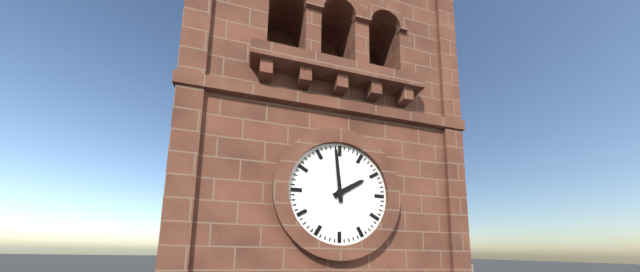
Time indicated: 1h59
